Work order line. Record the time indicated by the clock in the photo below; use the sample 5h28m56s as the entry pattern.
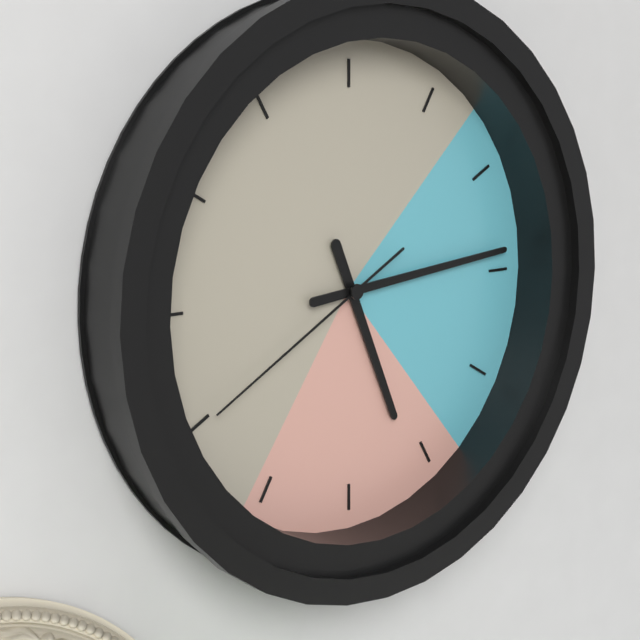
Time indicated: 5h14m40s
